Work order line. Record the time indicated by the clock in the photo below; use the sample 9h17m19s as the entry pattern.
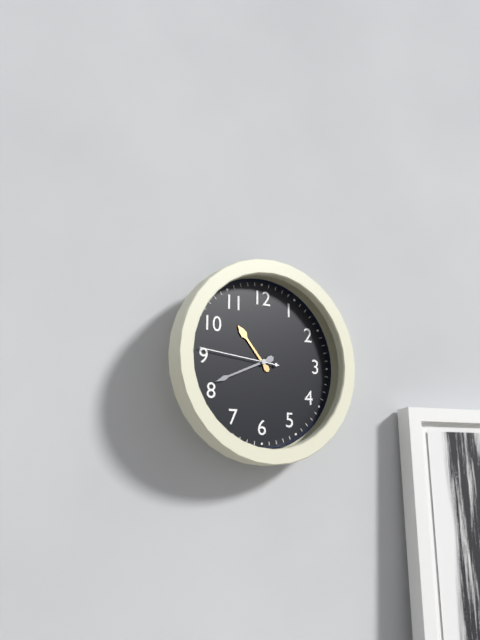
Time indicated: 10h41m46s
